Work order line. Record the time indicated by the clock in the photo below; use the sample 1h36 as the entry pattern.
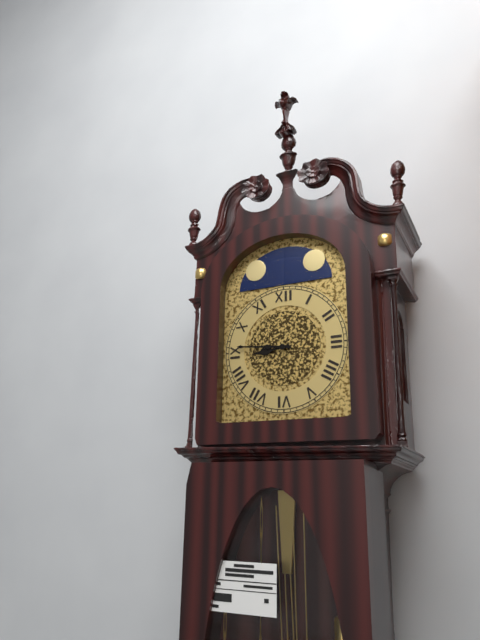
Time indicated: 8h46
